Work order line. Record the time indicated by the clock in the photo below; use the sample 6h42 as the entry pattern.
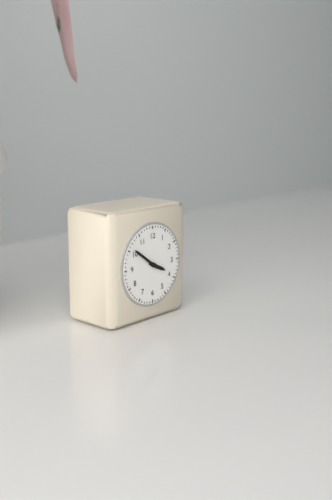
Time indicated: 3h51
